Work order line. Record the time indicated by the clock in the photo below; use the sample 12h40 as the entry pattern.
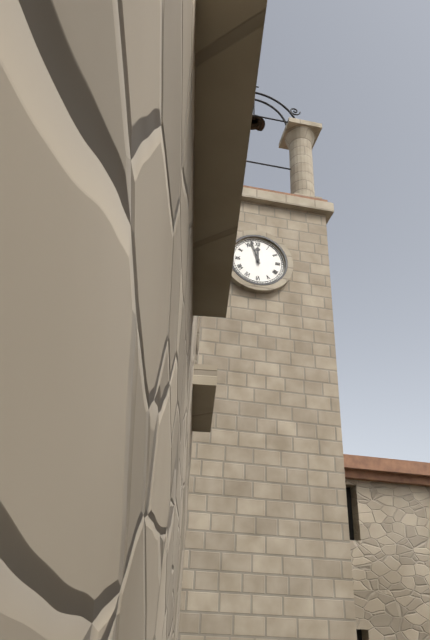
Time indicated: 11h57
